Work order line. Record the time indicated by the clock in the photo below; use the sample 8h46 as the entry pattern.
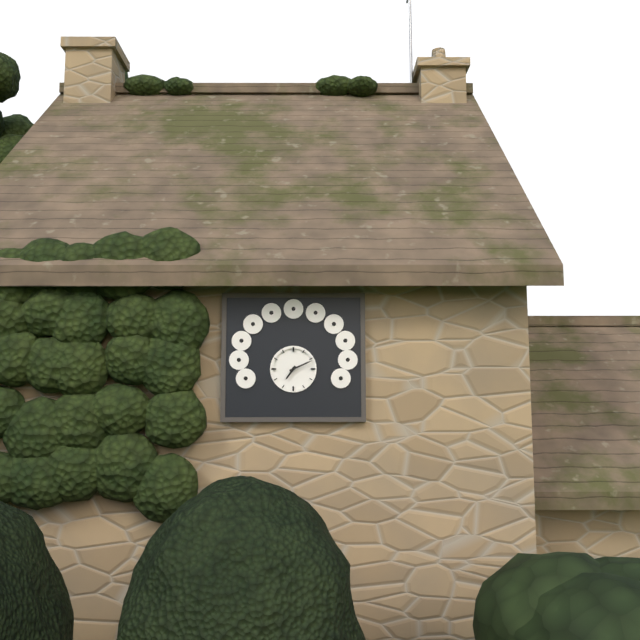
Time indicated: 7h11
